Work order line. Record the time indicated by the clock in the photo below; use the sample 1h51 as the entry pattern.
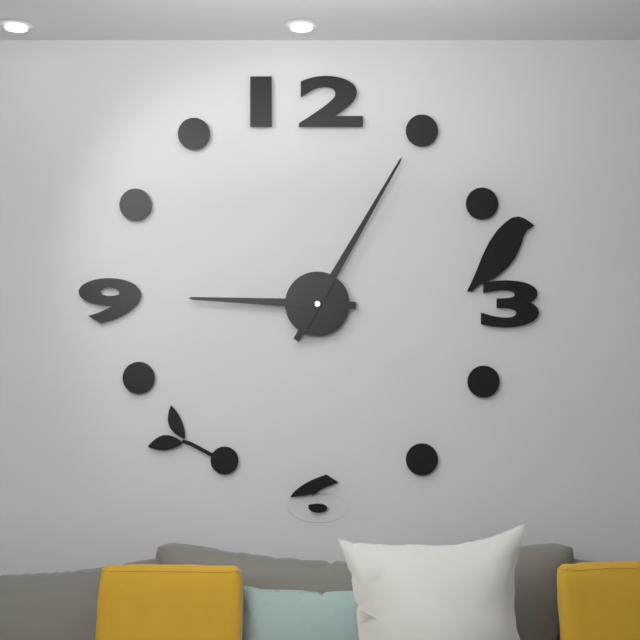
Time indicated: 9h05
